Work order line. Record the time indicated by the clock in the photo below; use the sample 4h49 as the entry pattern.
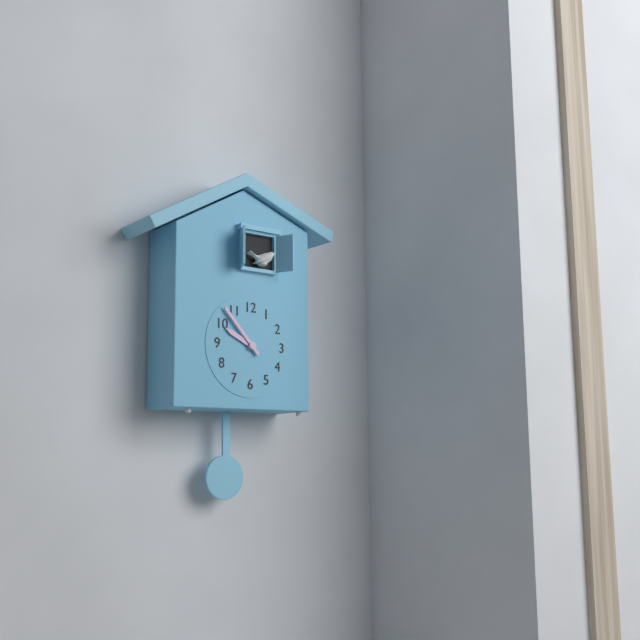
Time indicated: 9h53
